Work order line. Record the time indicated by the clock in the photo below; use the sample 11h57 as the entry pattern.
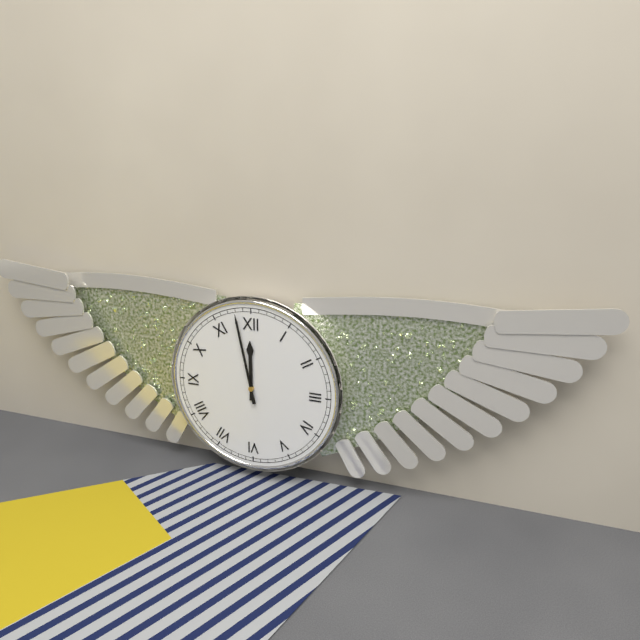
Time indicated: 11h58
